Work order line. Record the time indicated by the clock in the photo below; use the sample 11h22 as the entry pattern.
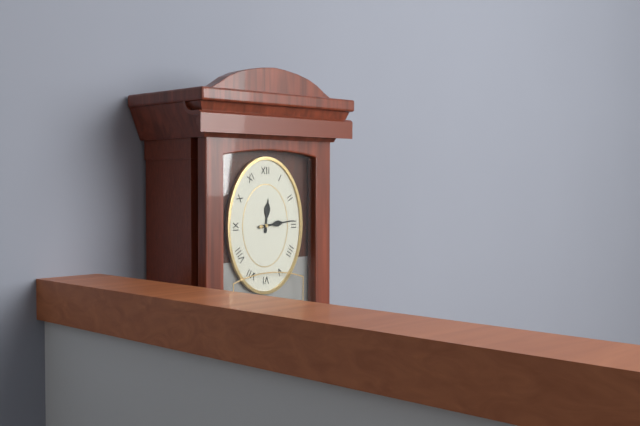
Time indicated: 12h14
